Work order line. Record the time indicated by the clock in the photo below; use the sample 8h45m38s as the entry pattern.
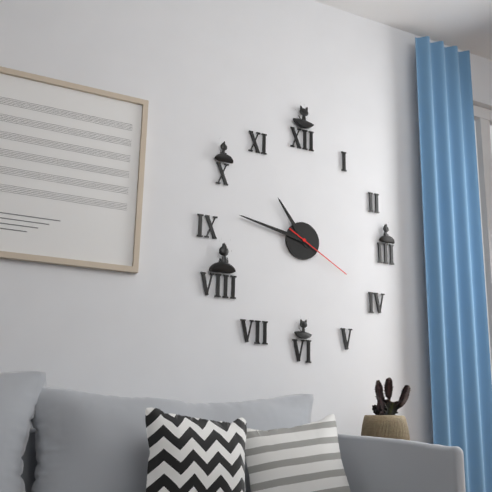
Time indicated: 10h47m20s
